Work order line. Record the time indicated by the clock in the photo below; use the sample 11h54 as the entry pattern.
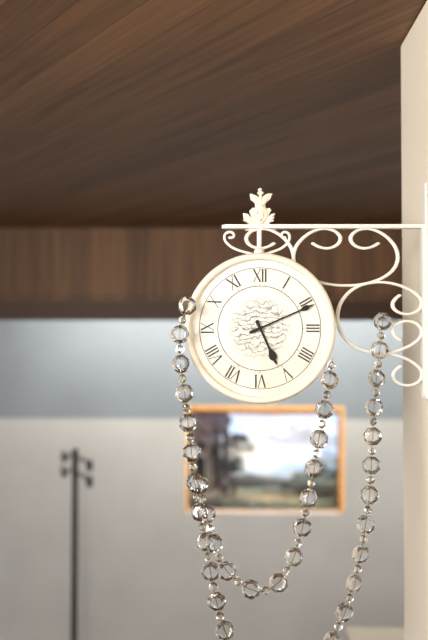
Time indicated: 5h11
